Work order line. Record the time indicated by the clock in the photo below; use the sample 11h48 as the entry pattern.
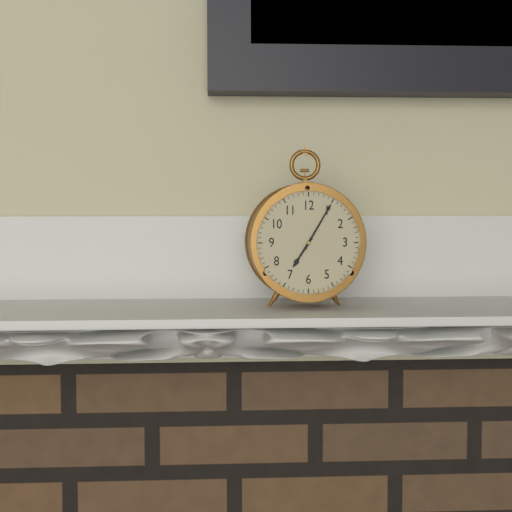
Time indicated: 7h05
